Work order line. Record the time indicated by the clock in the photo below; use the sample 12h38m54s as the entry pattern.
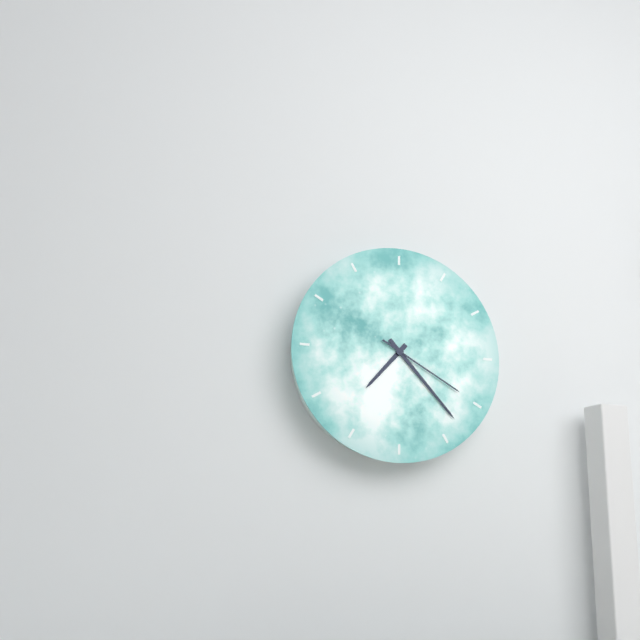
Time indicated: 7h23m20s
